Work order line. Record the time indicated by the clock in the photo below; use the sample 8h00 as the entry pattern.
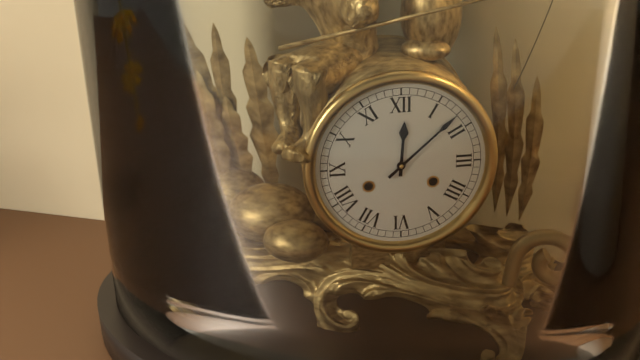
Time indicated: 12h08
